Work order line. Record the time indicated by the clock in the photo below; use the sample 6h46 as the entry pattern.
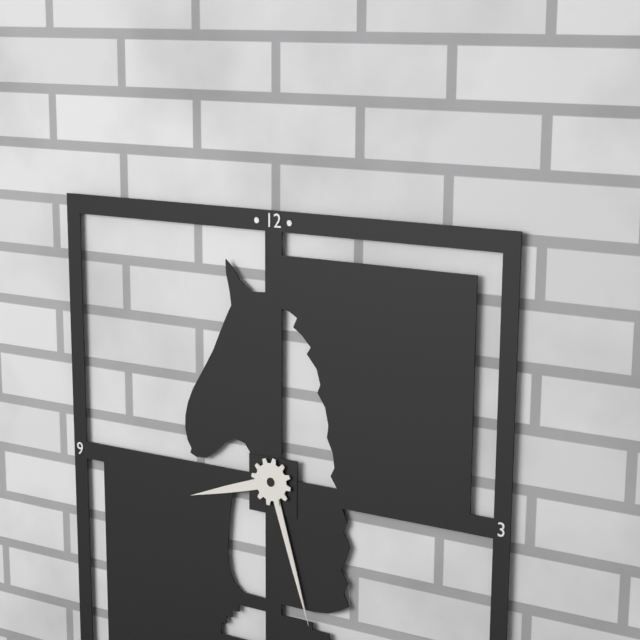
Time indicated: 8h27
